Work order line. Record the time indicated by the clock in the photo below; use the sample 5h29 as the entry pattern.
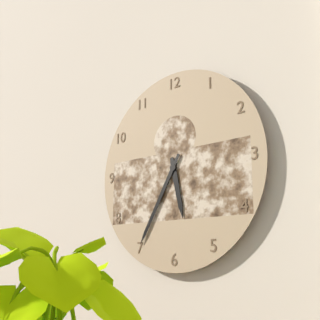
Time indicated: 5h35
